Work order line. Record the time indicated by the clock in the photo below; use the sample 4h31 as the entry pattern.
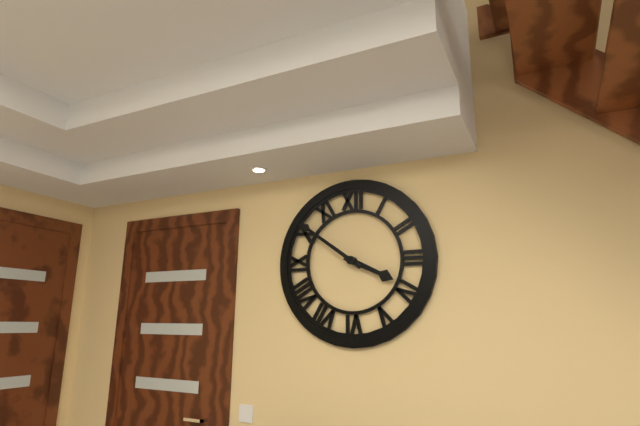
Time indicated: 3h51
